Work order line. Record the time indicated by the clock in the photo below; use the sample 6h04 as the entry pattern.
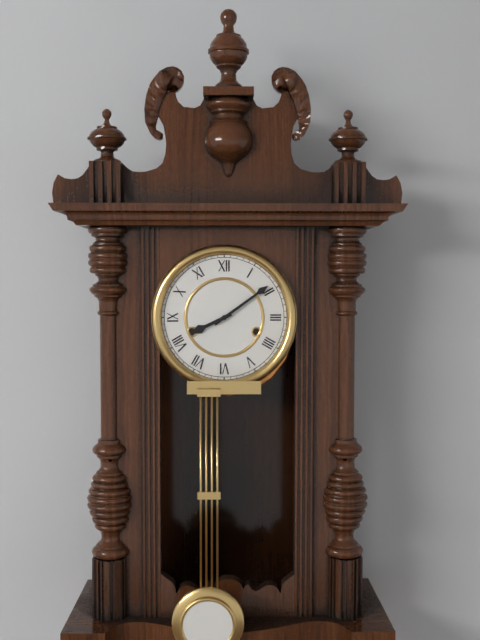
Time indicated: 8h09
